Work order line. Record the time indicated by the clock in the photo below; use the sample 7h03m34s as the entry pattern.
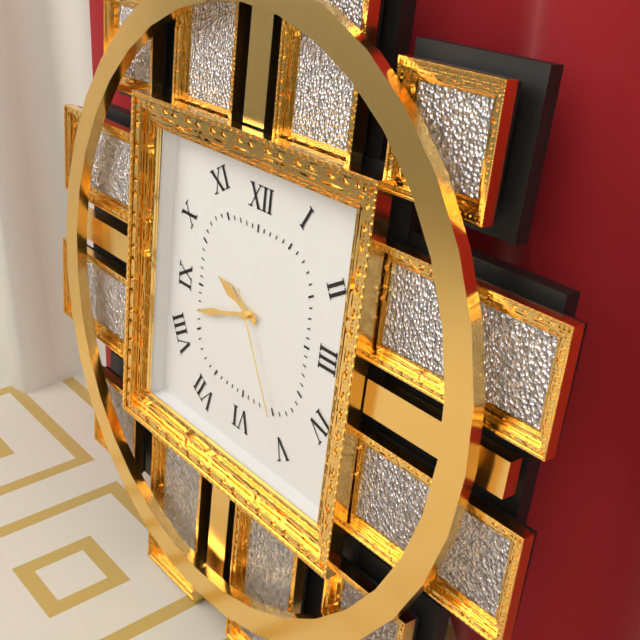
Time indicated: 9h42m25s
